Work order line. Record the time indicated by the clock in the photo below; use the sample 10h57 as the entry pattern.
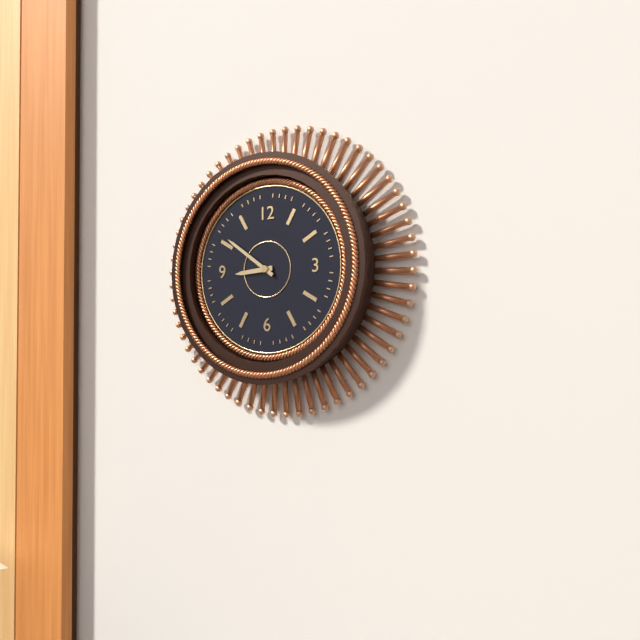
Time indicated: 8h51
